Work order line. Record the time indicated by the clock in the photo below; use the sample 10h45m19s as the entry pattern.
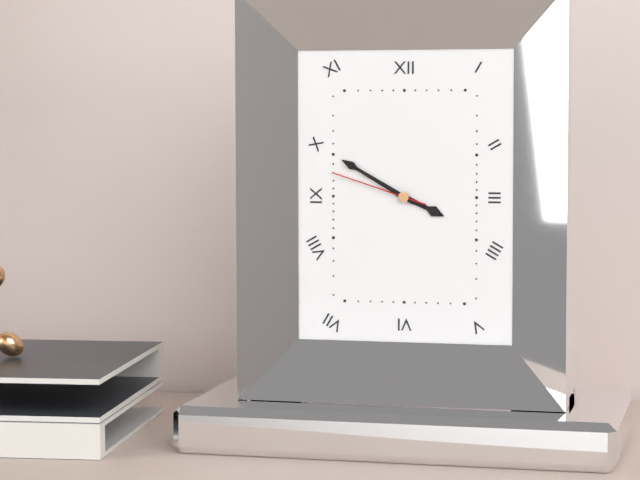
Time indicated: 3h50m48s
